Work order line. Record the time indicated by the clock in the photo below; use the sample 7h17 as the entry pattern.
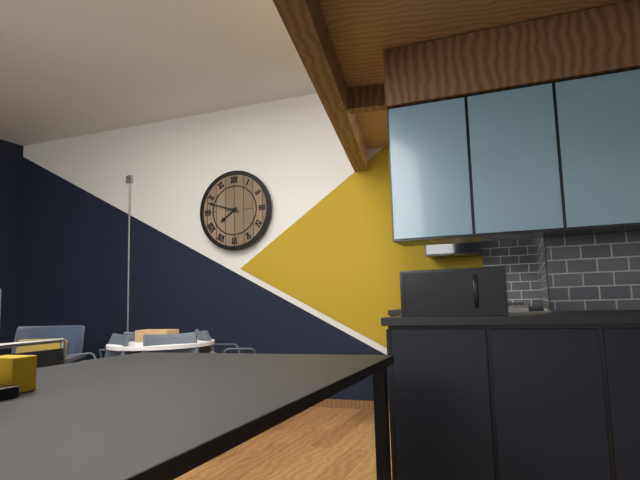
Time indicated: 7h48
